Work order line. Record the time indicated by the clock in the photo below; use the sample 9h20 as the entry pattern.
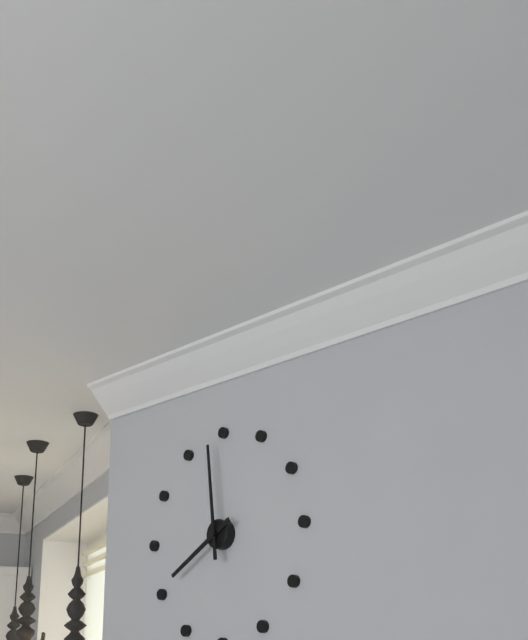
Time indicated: 7h59
